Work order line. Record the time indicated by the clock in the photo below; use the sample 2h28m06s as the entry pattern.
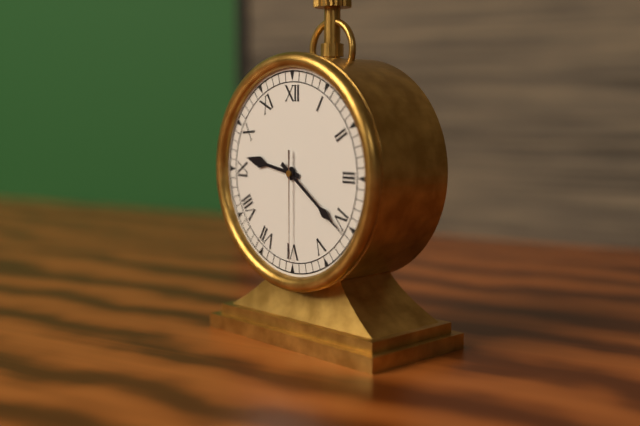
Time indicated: 9h21m30s
